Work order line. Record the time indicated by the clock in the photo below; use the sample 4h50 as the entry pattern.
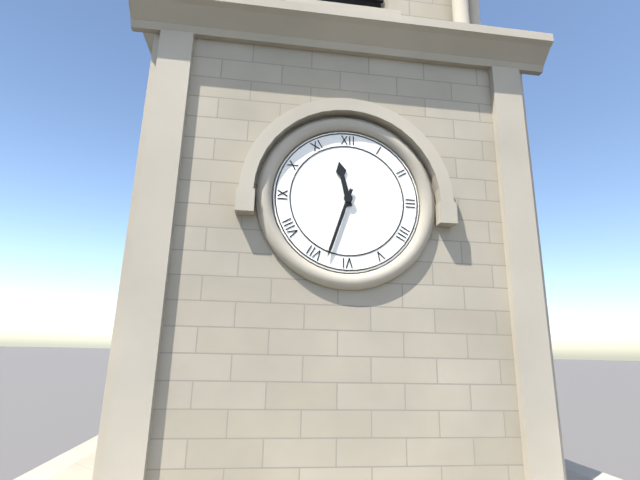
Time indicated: 11h33
